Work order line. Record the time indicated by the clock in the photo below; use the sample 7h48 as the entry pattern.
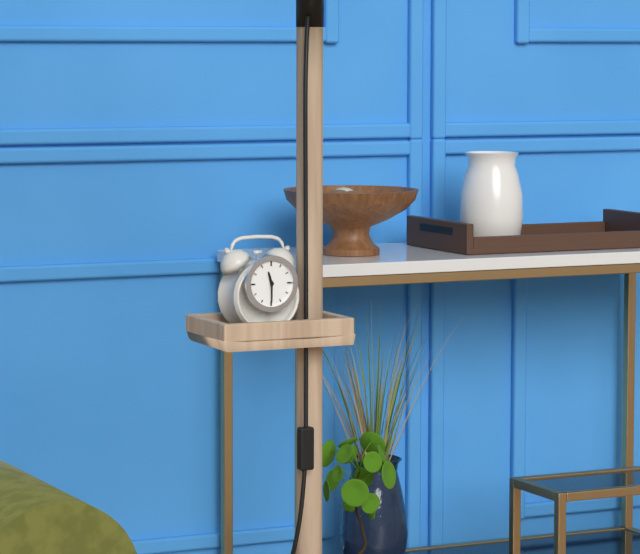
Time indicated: 11h30
